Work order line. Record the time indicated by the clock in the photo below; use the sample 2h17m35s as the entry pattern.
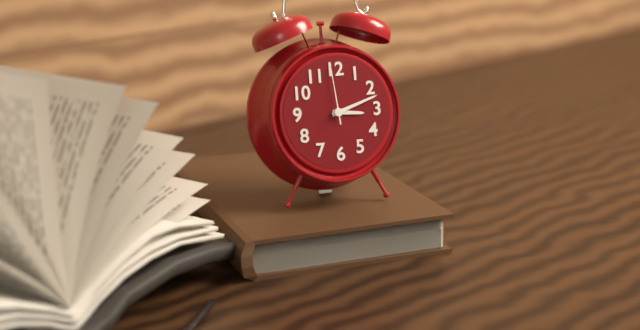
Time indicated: 3h12m59s
